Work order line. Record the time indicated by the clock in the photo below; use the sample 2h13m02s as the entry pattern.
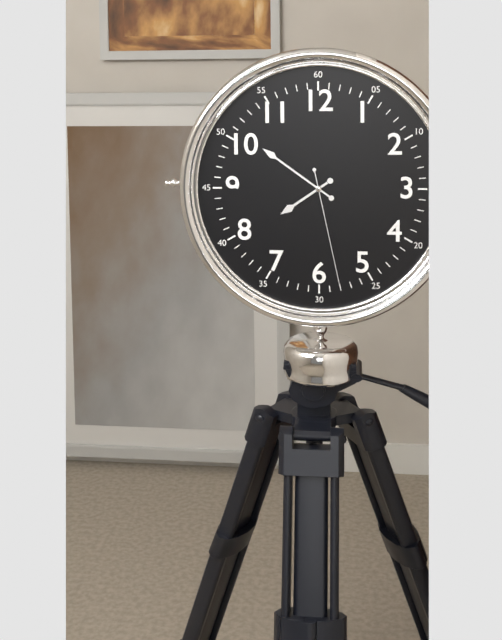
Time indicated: 7h51m28s
